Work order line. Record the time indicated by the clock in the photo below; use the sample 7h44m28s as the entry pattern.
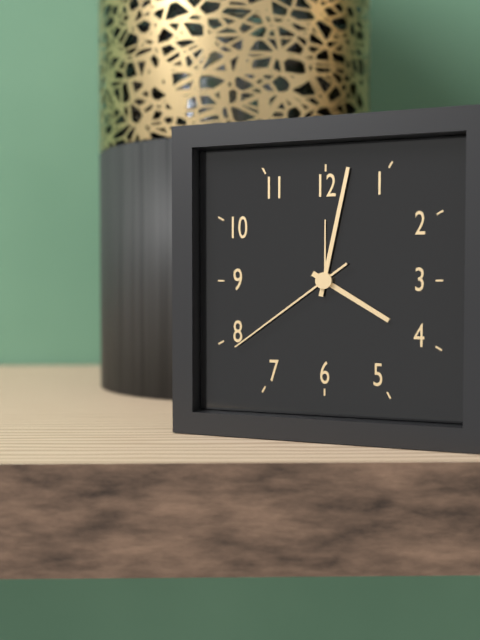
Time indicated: 4h02m39s
